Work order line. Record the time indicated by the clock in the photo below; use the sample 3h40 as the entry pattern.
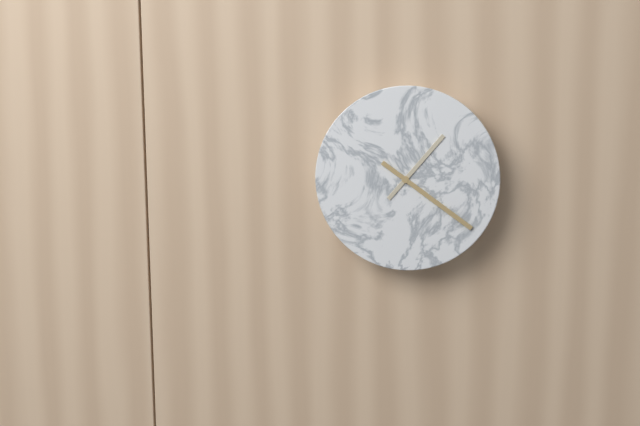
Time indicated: 1h21
